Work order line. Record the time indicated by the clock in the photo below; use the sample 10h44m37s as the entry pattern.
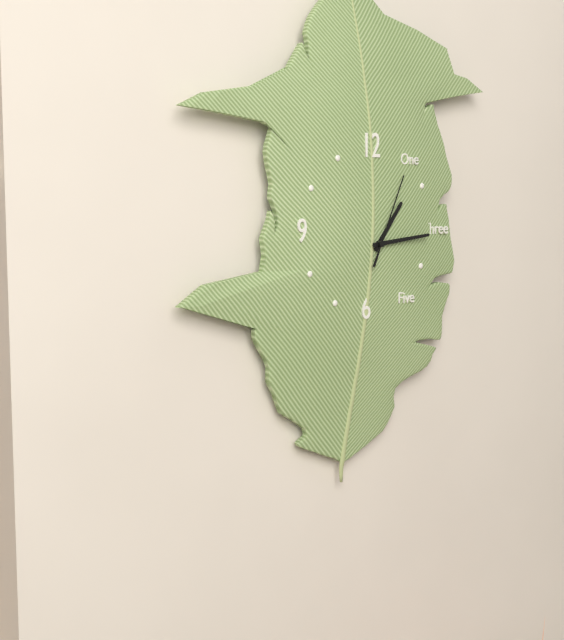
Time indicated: 1h14m04s
